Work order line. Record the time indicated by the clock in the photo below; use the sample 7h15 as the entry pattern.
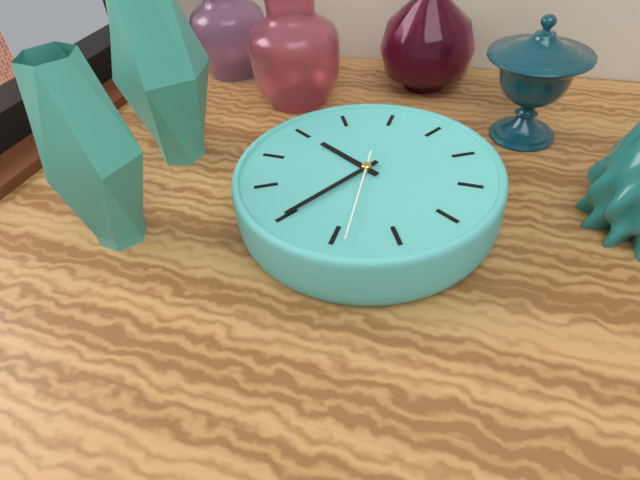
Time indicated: 3h00
